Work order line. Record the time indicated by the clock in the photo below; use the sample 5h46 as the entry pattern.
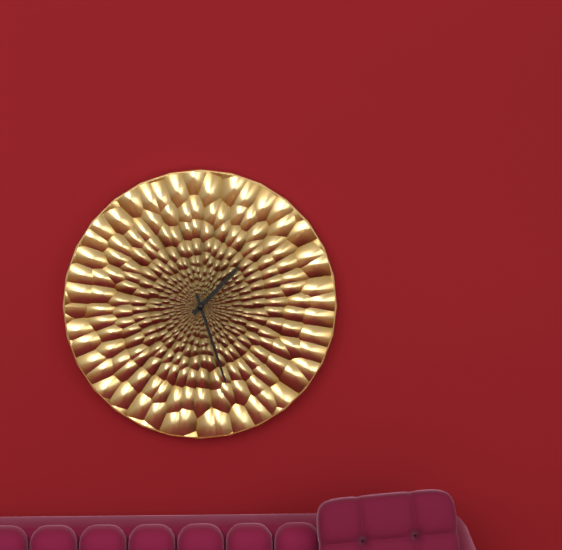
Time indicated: 1h27
